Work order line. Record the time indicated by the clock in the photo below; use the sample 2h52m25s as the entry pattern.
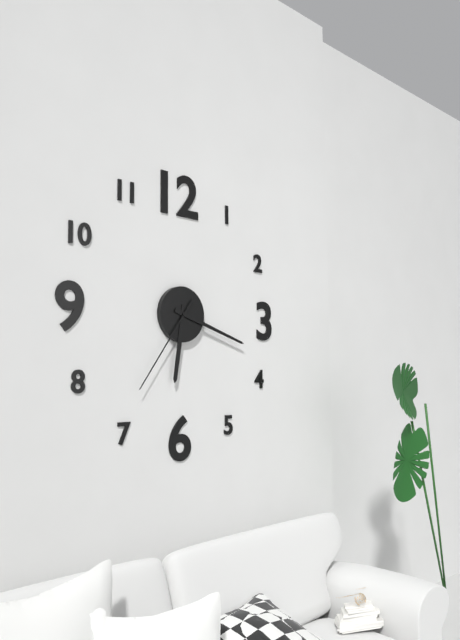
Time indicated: 6h18m36s
